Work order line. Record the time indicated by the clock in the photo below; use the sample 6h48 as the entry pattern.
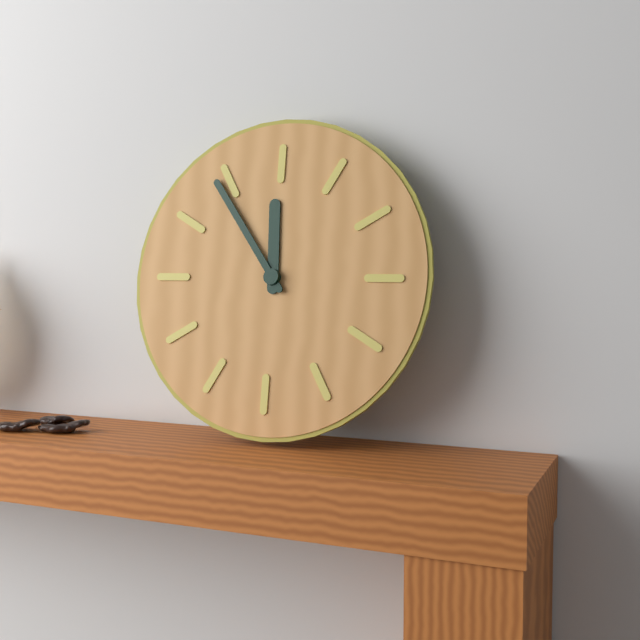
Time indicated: 11h54
